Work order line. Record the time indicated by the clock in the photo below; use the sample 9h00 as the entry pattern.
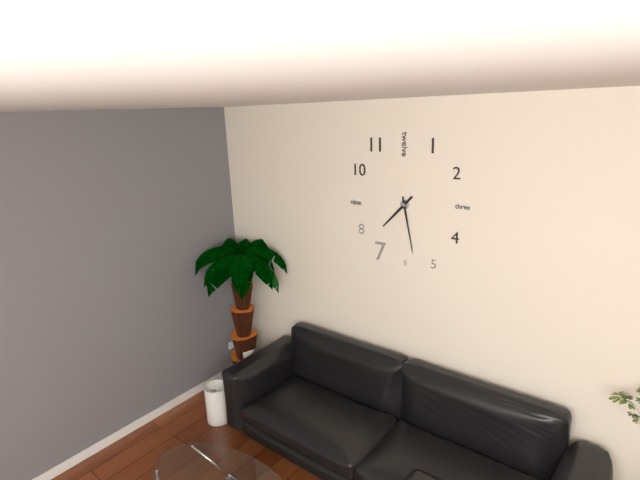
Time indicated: 7h28
